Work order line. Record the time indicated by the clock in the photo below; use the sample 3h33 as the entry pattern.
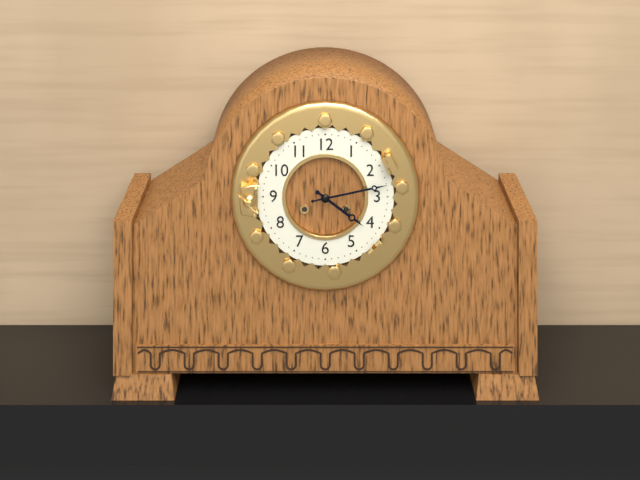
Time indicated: 4h13
